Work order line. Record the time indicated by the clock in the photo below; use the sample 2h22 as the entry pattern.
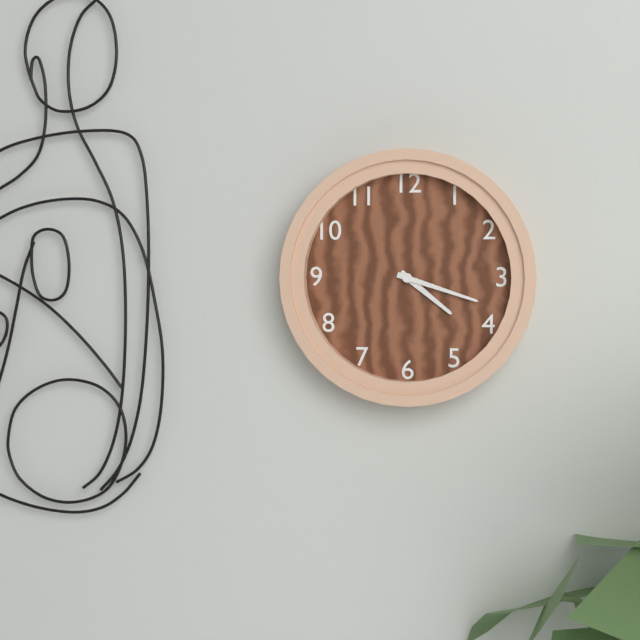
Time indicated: 4h18
